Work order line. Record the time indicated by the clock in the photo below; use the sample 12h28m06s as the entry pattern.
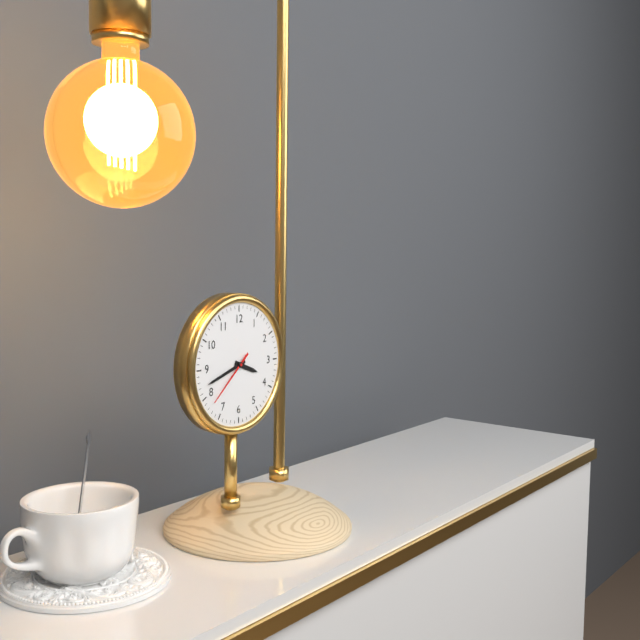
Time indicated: 3h42m38s
